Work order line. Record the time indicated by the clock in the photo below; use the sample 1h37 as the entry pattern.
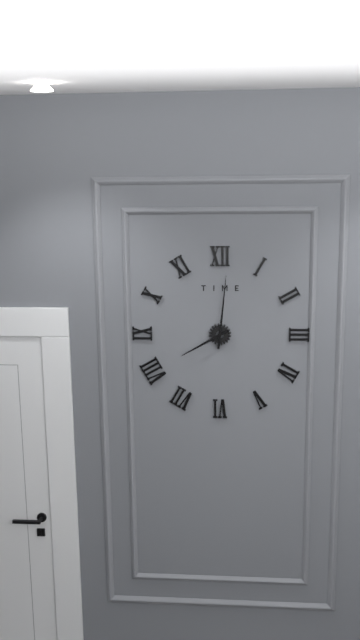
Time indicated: 8h01
